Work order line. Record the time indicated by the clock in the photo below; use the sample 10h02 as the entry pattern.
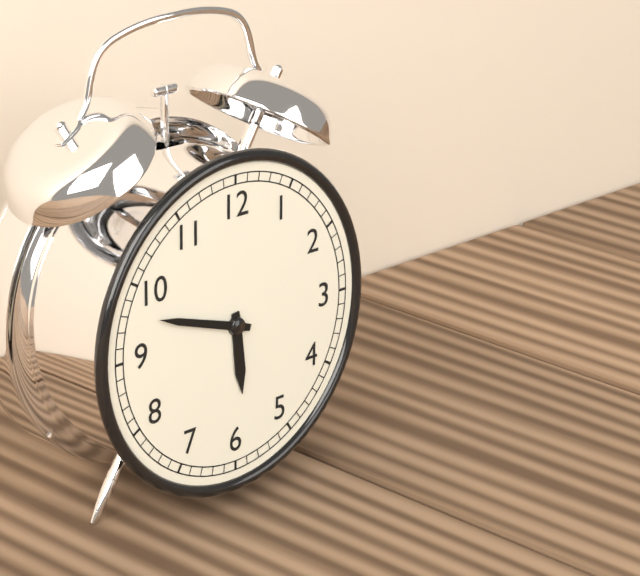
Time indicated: 5h48
